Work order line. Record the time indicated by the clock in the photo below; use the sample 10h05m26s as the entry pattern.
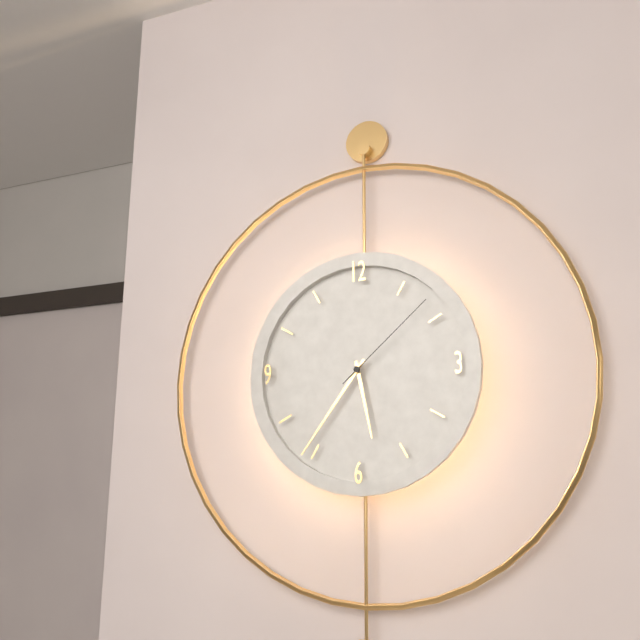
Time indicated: 5h36m08s
